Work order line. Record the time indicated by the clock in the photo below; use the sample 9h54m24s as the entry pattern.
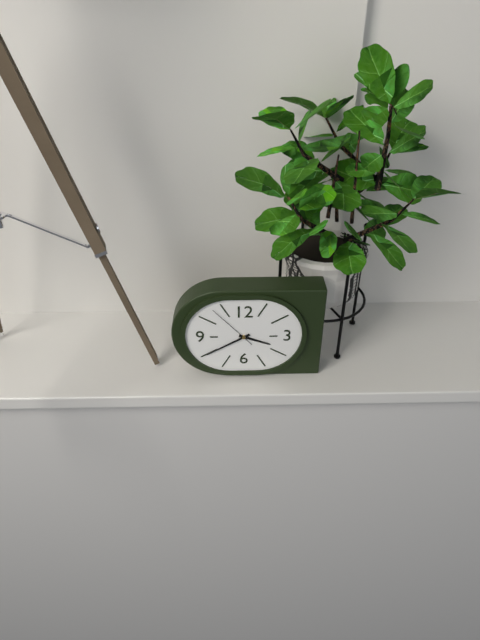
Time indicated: 3h40m53s
